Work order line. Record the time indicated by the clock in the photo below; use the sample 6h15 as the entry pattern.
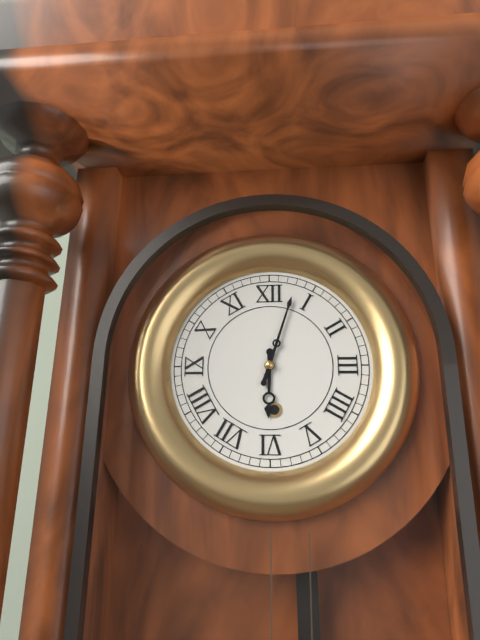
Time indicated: 6h03
